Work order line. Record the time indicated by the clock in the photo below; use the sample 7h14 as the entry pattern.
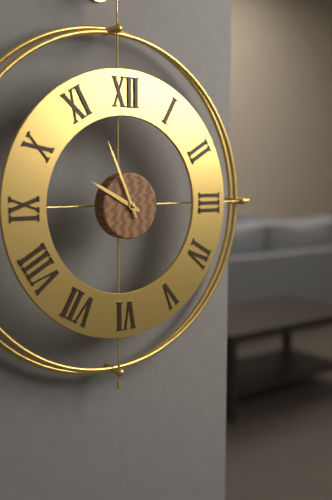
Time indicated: 9h56
